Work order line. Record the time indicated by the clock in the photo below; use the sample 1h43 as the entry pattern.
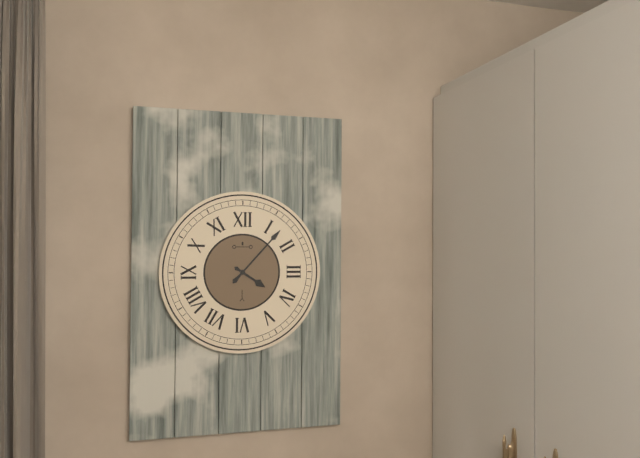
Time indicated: 4h07
